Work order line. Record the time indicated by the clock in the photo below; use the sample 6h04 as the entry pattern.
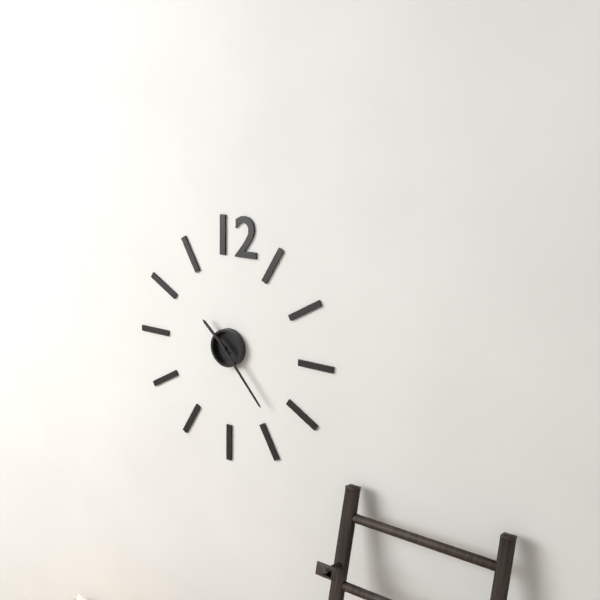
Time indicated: 10h23
